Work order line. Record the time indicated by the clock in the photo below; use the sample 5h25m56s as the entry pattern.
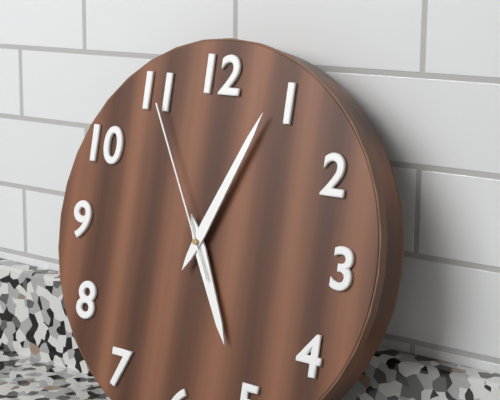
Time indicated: 5h04m55s
